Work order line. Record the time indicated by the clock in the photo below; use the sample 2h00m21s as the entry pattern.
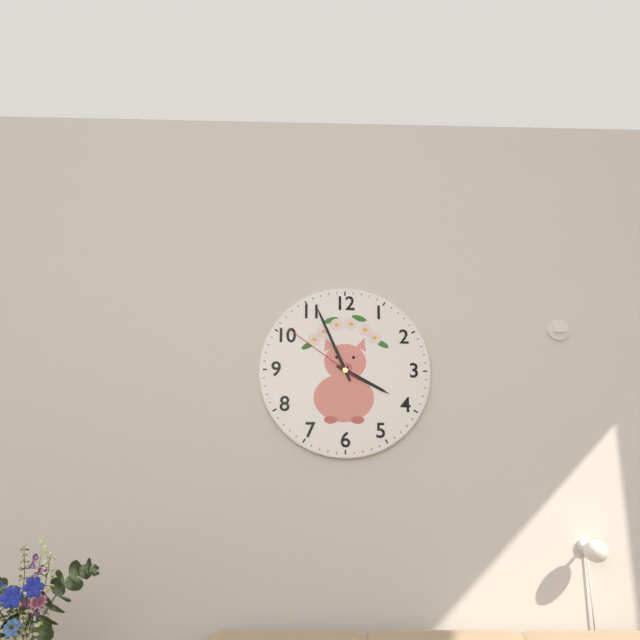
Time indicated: 3h56m51s
